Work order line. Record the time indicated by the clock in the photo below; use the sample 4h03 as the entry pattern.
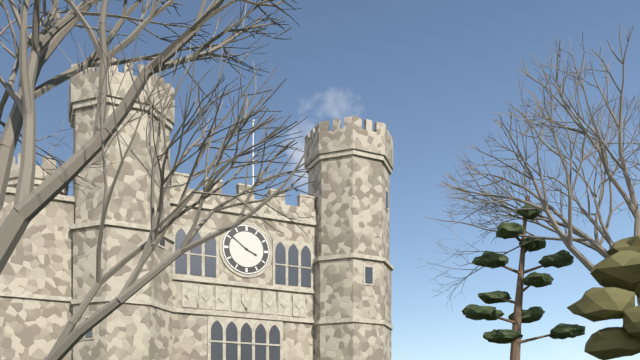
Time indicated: 3h51
